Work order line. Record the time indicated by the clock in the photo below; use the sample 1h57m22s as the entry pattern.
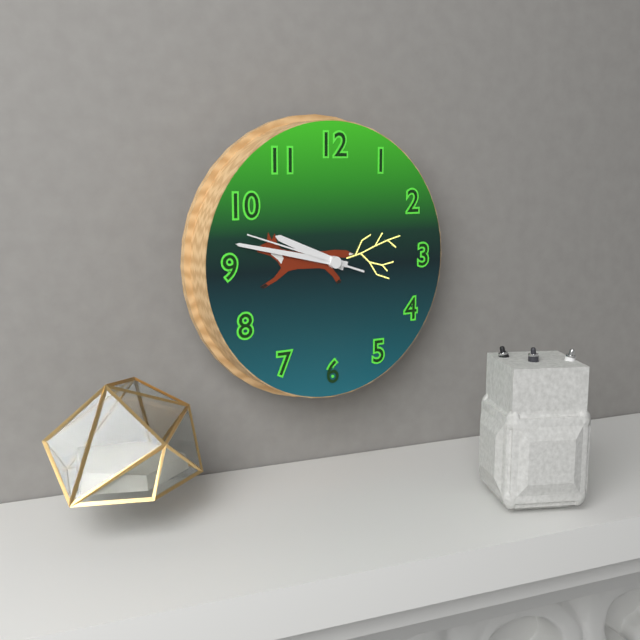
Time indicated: 9h47m48s
